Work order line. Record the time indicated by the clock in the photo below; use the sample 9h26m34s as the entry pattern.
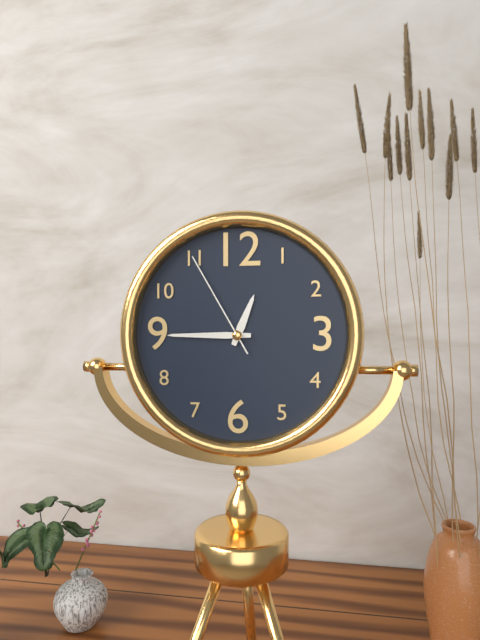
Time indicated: 12h45m55s
